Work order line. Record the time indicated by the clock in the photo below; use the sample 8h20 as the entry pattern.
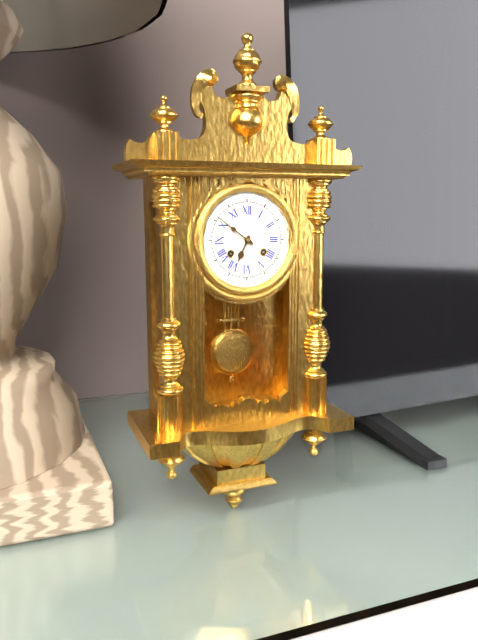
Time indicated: 6h51
